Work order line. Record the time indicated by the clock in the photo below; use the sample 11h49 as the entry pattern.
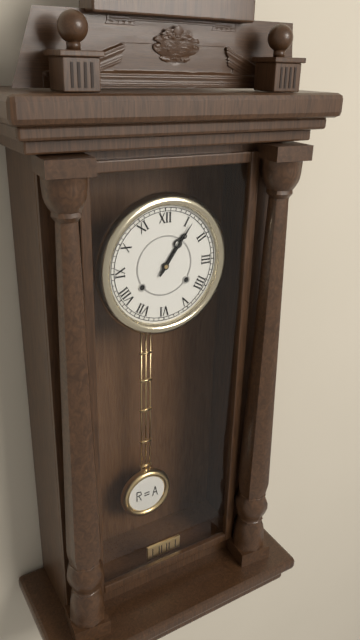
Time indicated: 1h06
